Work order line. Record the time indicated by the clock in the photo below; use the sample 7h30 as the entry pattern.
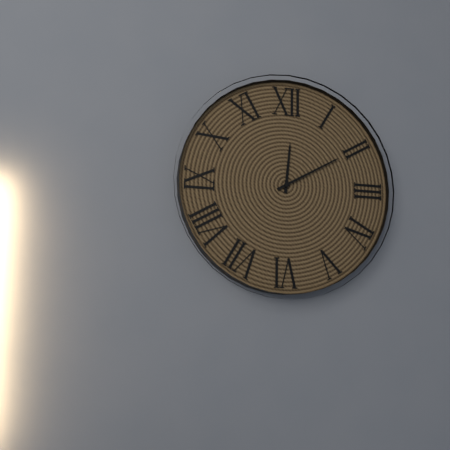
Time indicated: 12h10
